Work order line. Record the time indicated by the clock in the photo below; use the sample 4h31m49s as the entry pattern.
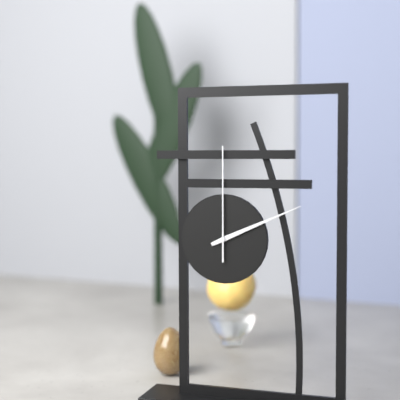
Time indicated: 2h11m00s
